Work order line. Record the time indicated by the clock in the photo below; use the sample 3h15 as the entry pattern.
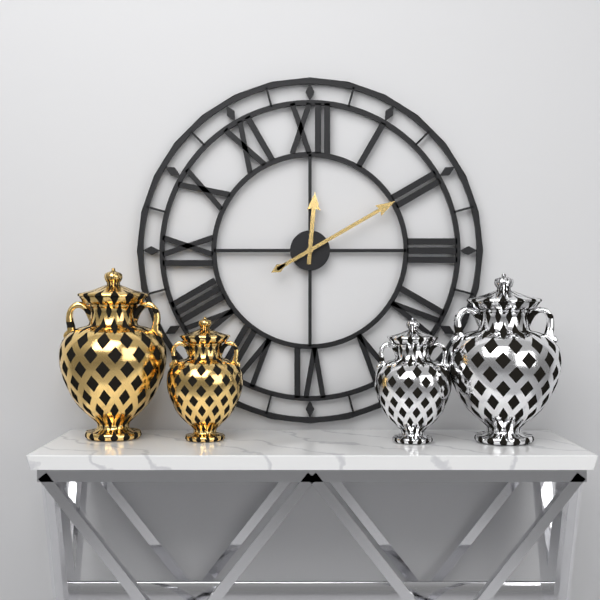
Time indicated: 12h10
